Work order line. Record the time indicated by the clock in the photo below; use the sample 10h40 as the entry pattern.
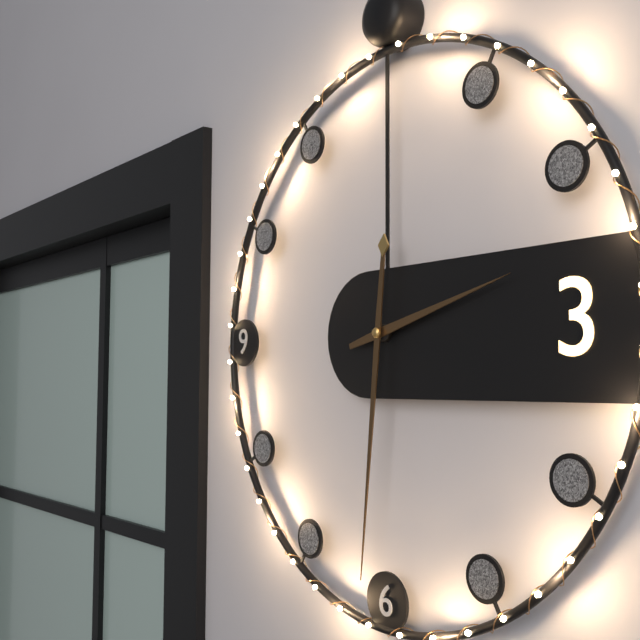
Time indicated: 2h31
